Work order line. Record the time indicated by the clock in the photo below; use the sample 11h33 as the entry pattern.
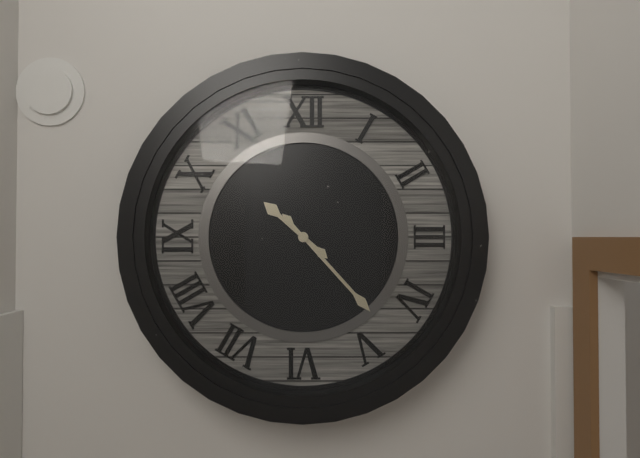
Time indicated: 10h23
